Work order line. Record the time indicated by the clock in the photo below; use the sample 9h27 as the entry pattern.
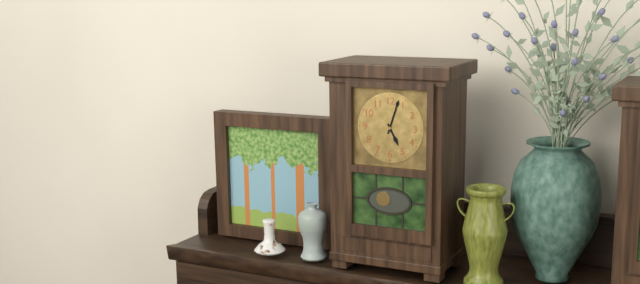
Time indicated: 5h03
